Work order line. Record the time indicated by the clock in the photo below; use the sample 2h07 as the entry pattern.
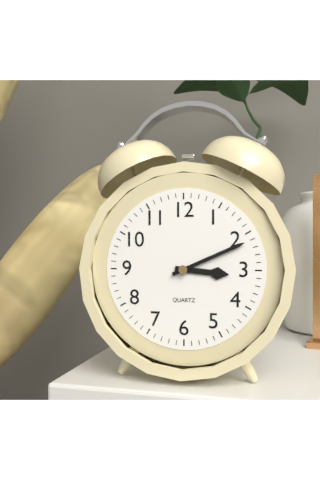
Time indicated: 3h11
